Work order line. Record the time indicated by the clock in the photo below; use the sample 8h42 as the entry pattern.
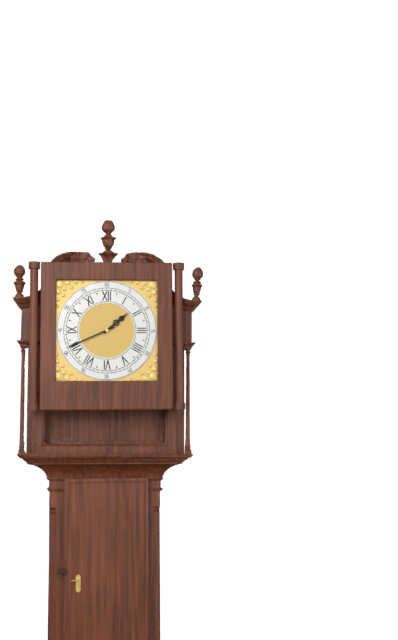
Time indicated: 1h41
